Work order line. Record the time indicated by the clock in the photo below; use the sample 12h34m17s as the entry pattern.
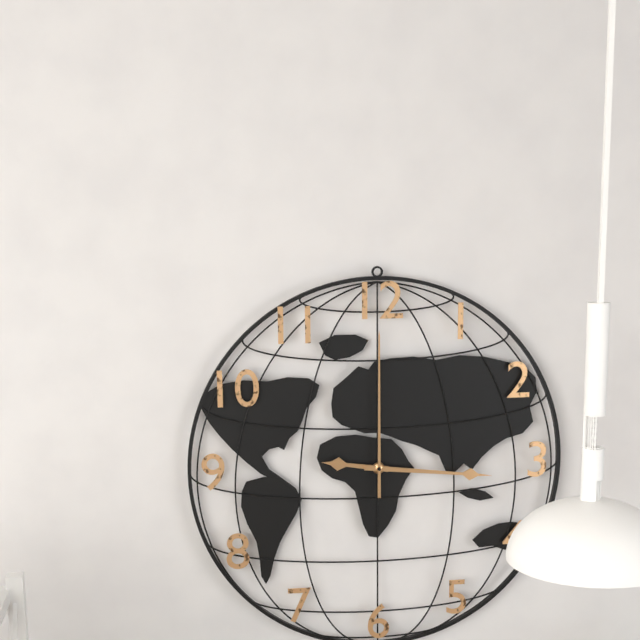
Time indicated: 9h16m00s
